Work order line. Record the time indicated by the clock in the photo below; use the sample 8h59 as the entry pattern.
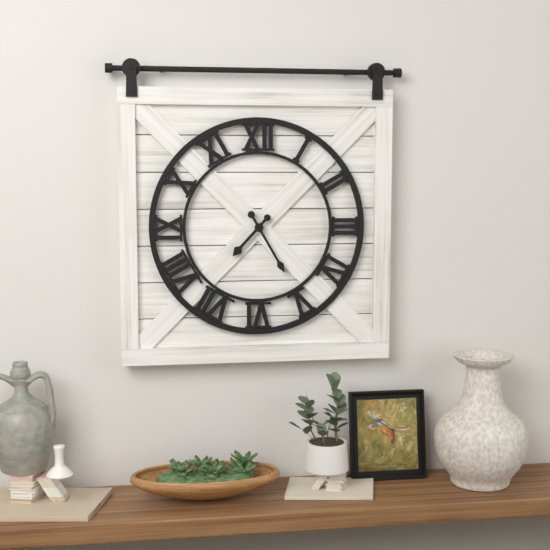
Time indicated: 7h25
